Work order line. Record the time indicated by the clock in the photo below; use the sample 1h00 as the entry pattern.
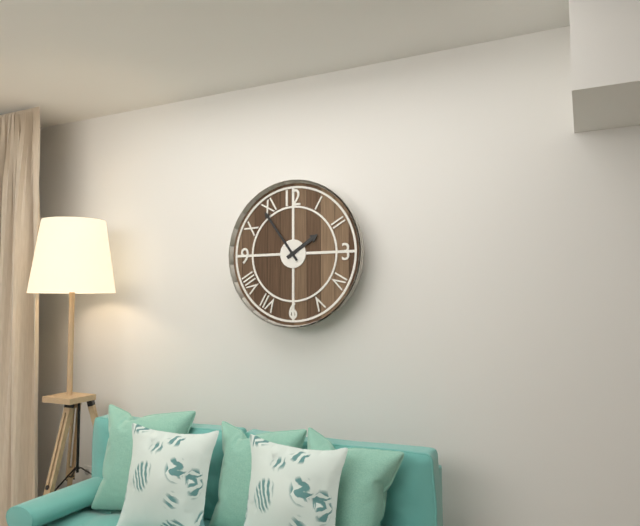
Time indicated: 1h54
